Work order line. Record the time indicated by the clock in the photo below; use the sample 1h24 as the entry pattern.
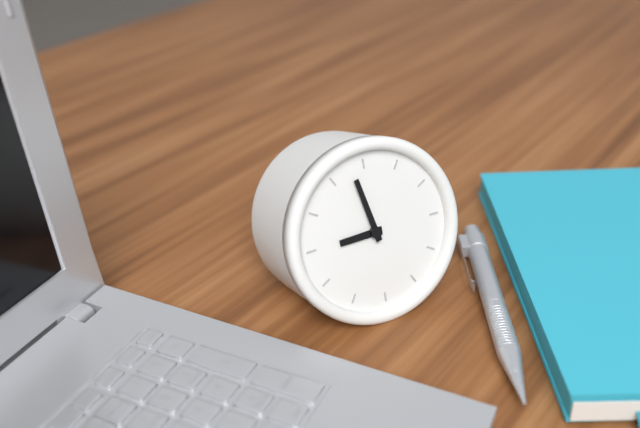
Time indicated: 8h58
